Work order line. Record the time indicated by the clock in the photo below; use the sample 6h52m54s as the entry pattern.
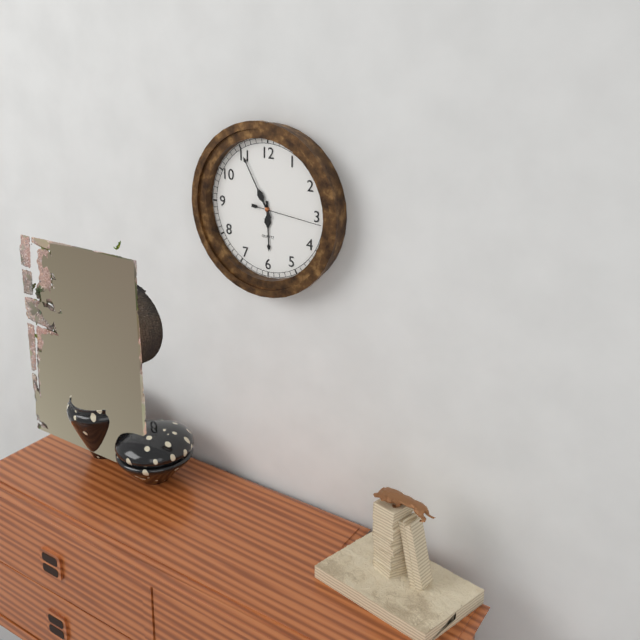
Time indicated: 5h55m16s
